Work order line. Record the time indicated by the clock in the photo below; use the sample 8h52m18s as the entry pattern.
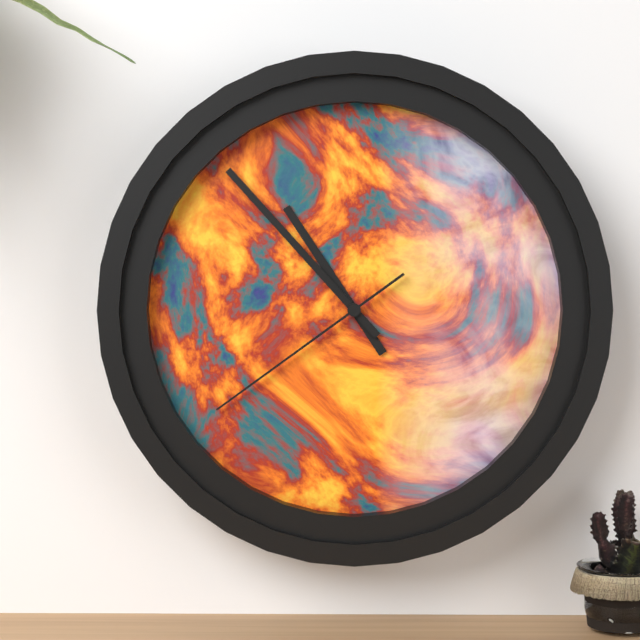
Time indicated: 10h53m39s
